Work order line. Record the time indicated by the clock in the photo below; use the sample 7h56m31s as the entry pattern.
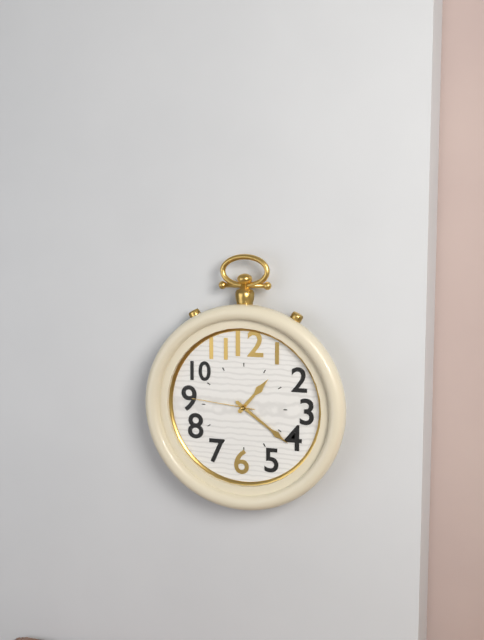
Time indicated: 1h21m46s
